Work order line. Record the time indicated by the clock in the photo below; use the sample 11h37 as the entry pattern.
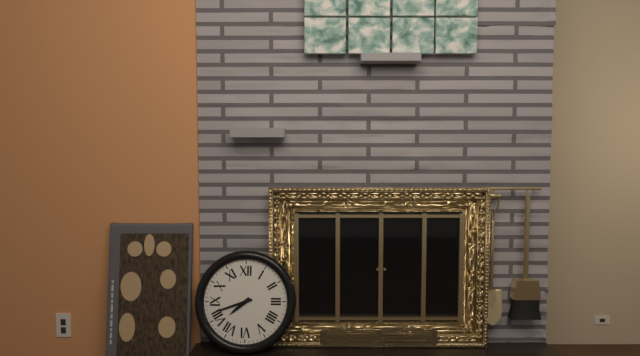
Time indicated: 7h42
